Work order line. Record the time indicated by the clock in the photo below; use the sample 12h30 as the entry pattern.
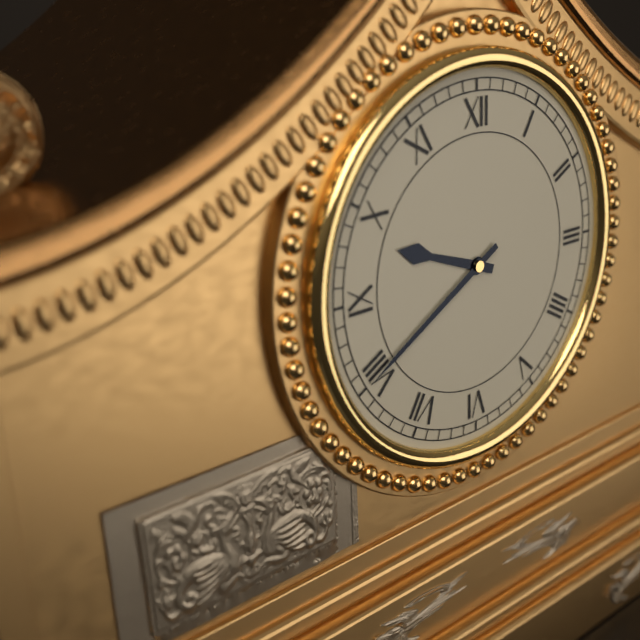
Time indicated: 9h40
